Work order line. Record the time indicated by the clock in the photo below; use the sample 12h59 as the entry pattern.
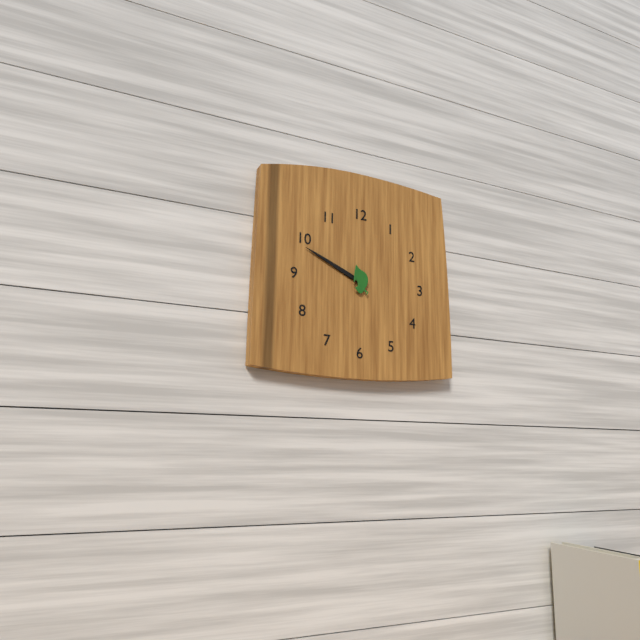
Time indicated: 9h49
